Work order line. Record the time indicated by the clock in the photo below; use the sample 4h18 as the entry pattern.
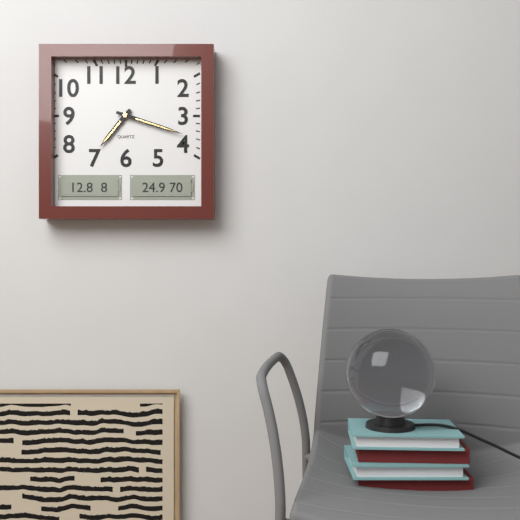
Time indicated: 7h18
